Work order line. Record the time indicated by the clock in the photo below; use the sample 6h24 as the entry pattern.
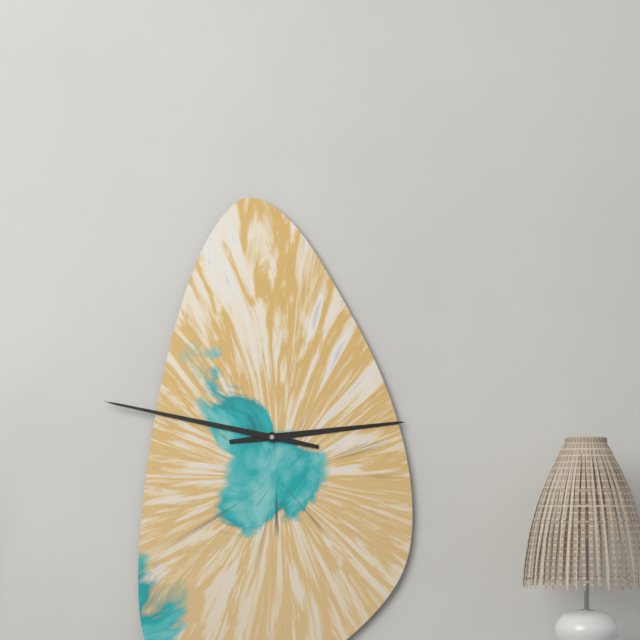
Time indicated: 2h47
